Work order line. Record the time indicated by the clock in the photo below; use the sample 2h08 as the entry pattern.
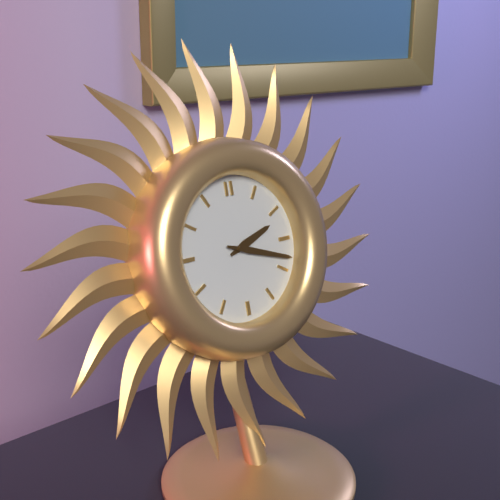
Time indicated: 2h18
